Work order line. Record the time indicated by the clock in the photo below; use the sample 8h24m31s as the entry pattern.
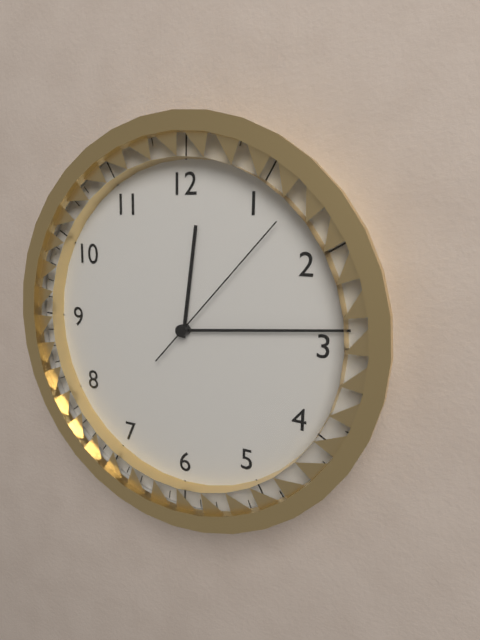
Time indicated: 12h14m07s
